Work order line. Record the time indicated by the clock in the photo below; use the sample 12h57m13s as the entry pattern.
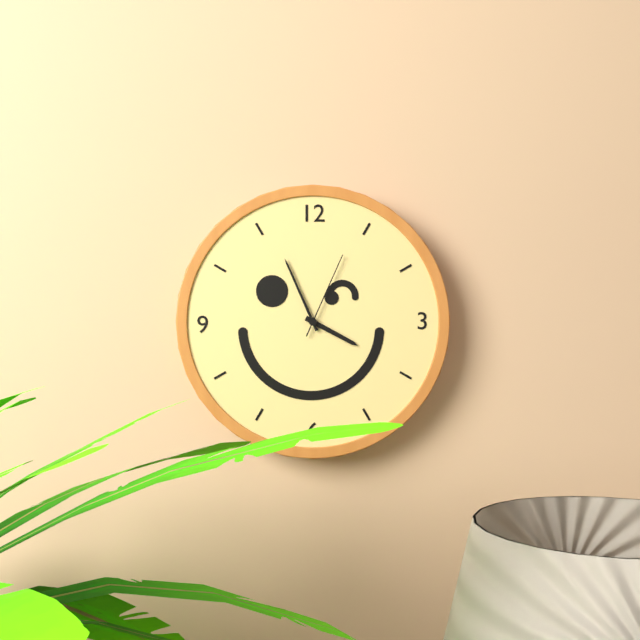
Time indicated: 3h56m04s
